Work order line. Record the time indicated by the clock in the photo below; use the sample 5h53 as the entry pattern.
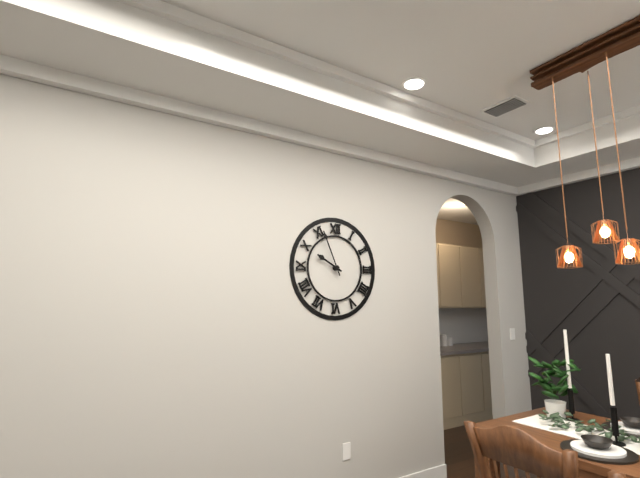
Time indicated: 9h56
